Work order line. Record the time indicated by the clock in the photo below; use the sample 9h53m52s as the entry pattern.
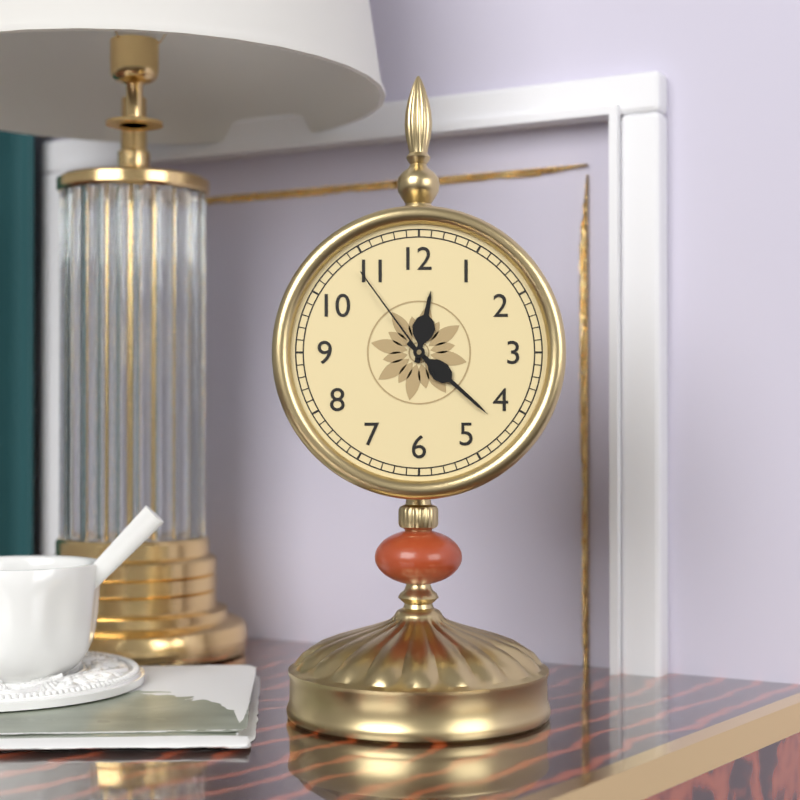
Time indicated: 12h22m54s
